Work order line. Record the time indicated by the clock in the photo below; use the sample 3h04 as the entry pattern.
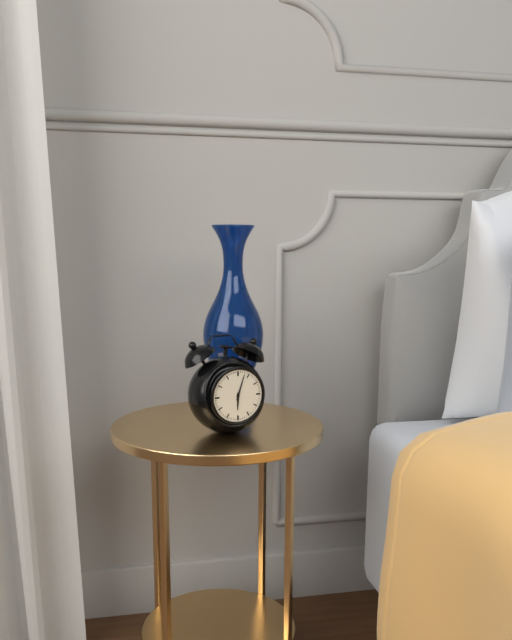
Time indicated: 6h03
